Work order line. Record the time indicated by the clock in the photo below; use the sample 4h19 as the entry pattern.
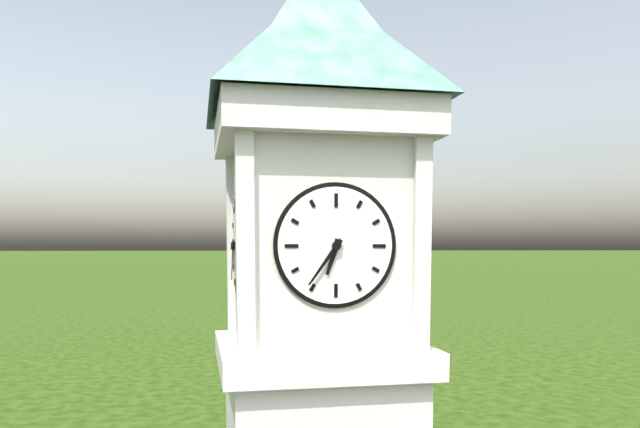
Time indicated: 6h36
